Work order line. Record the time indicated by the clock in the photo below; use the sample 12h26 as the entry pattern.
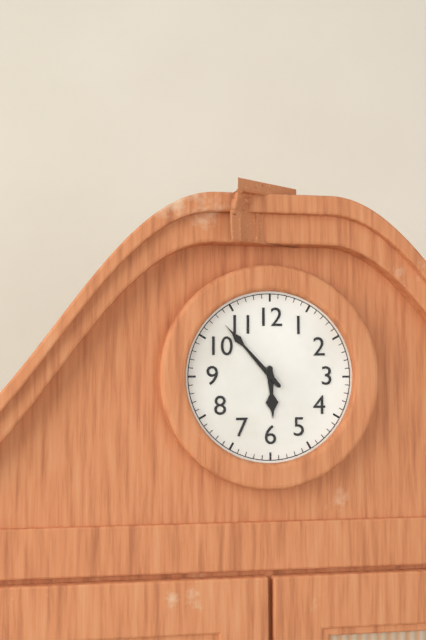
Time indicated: 5h53
